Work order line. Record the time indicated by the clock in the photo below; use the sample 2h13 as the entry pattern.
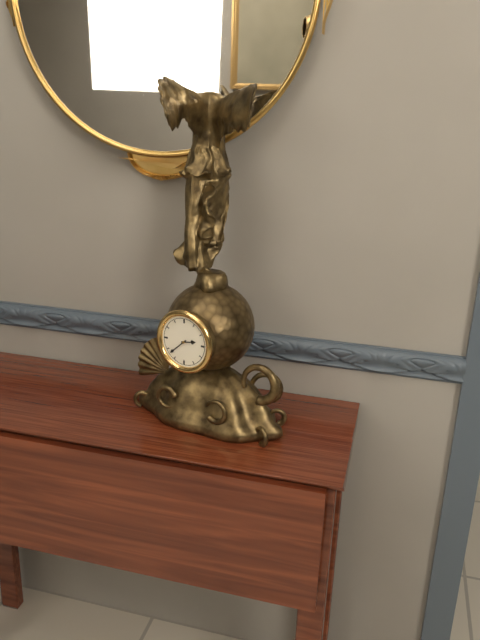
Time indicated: 2h38
